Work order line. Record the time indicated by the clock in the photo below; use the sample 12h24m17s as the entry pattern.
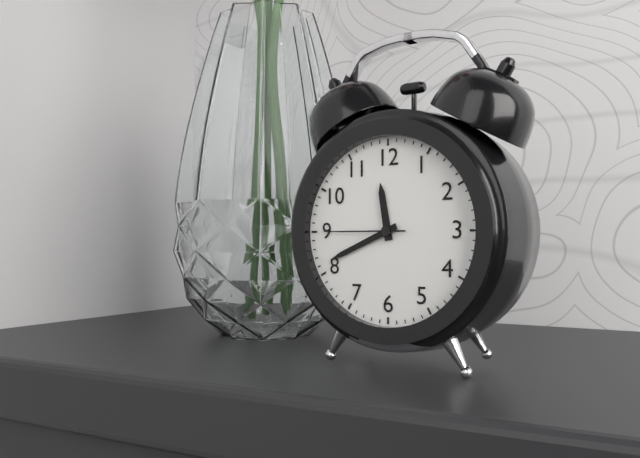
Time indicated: 11h41m45s
